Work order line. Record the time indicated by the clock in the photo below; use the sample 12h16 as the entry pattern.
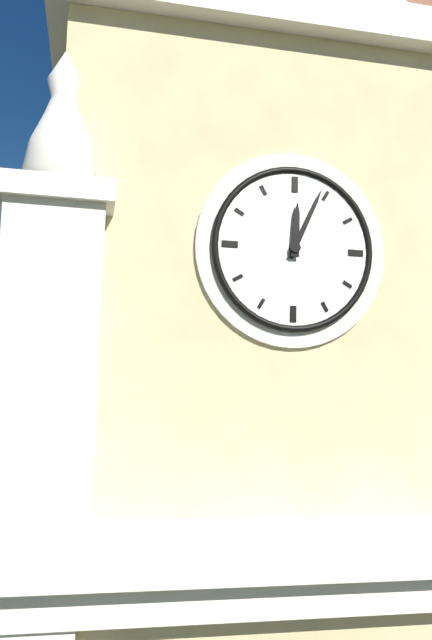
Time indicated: 12h04
